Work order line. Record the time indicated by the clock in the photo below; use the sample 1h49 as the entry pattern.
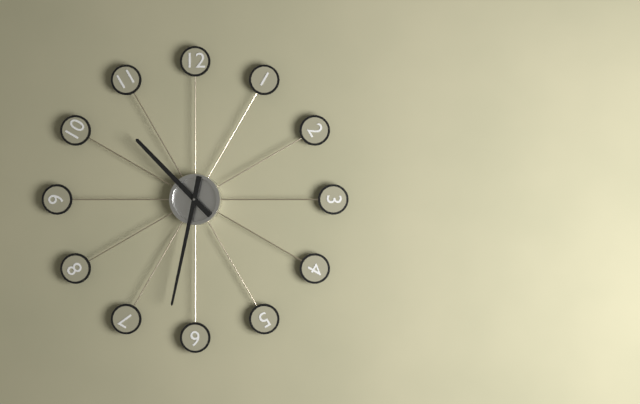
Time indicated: 10h32
